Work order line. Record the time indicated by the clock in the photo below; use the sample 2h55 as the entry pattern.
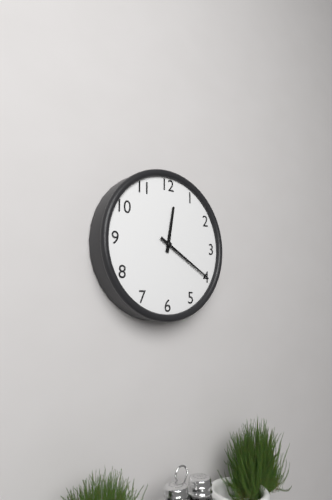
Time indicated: 12h20
